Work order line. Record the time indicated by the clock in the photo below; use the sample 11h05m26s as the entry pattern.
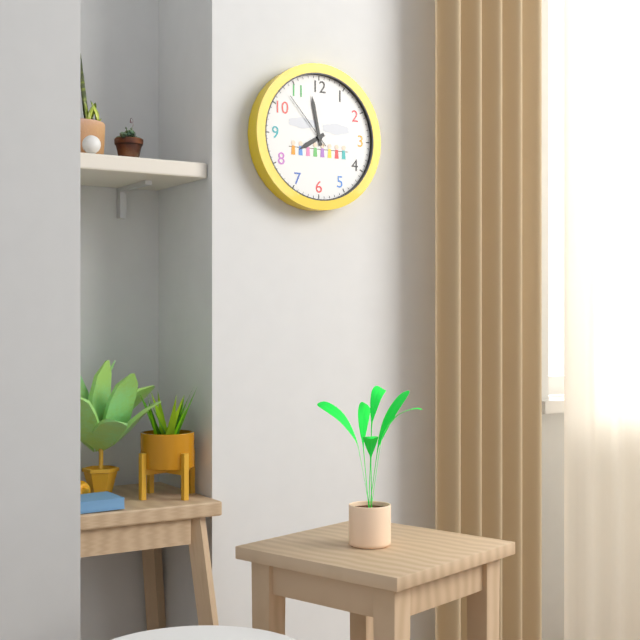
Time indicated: 7h58m53s
